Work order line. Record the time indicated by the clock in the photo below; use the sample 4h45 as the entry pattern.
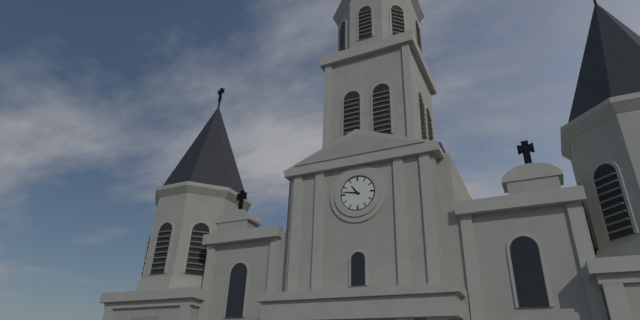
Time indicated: 10h47
